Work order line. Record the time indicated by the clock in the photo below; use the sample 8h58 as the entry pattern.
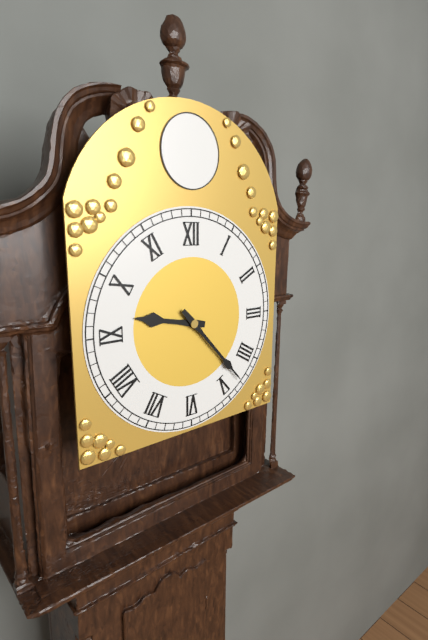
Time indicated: 9h23
